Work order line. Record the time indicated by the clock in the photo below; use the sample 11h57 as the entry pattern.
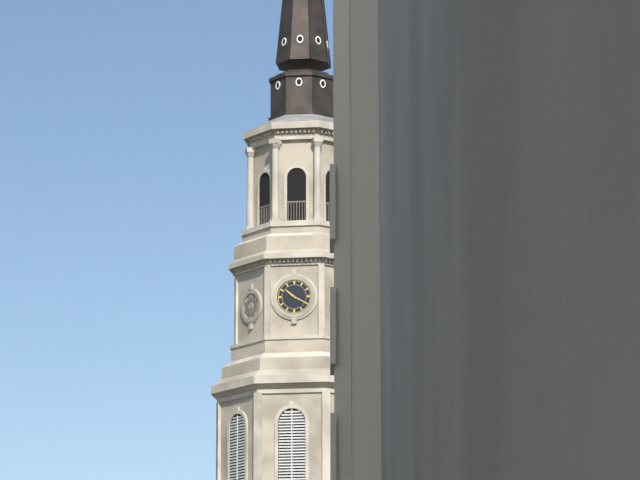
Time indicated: 10h20
